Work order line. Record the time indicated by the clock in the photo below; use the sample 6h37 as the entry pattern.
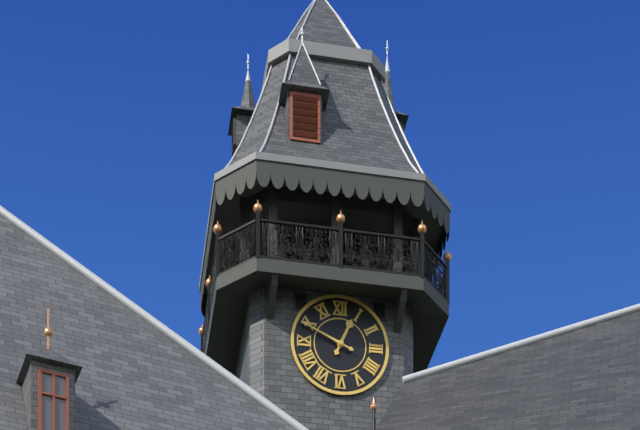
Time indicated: 12h49
